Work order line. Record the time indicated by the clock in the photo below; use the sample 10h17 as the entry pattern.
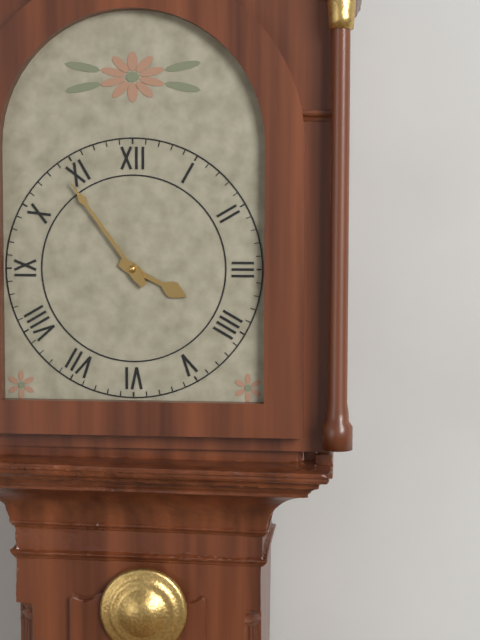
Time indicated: 3h54
